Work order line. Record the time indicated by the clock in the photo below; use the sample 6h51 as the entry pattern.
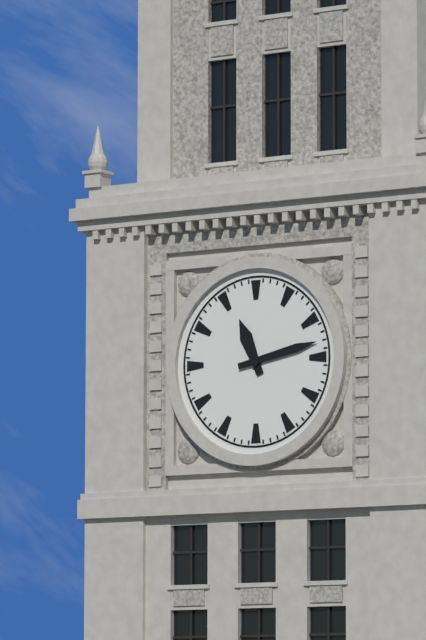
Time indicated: 11h13
